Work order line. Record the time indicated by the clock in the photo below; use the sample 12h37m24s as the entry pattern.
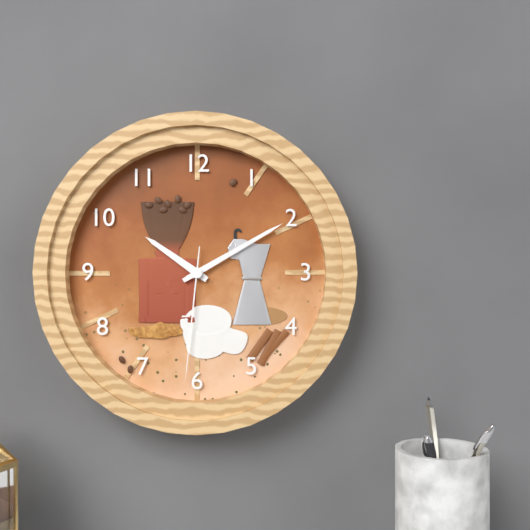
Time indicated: 10h10m31s
